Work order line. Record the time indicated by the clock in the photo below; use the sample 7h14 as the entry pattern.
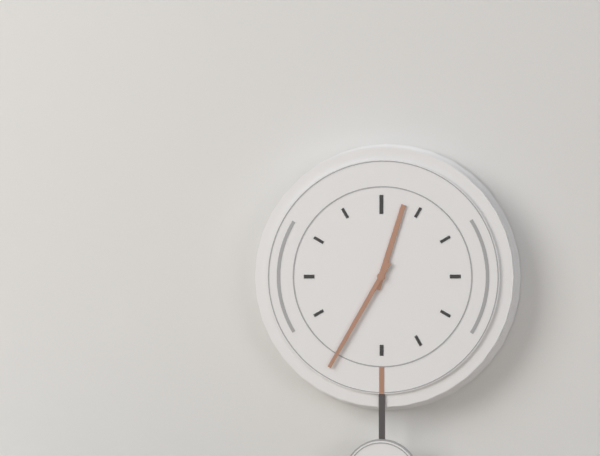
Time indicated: 12h35
